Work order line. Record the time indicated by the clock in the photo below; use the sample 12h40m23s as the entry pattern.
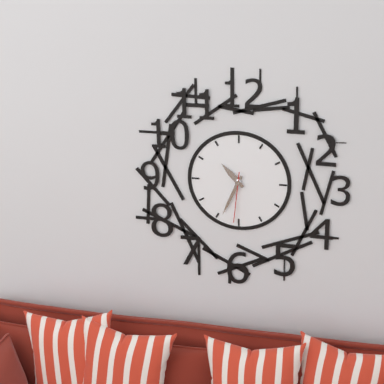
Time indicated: 10h34m31s
